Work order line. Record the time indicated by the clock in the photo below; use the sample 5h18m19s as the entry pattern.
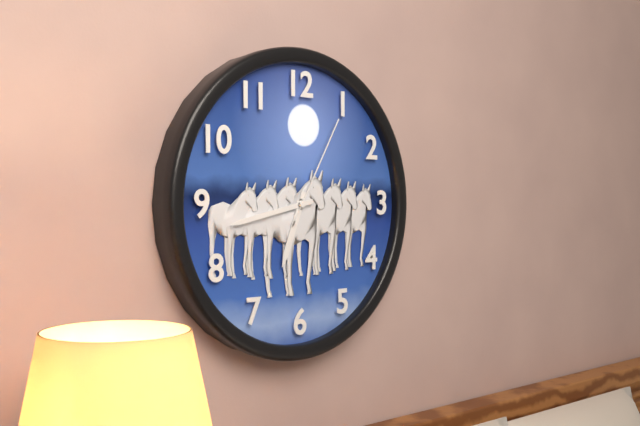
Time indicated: 6h43m05s
